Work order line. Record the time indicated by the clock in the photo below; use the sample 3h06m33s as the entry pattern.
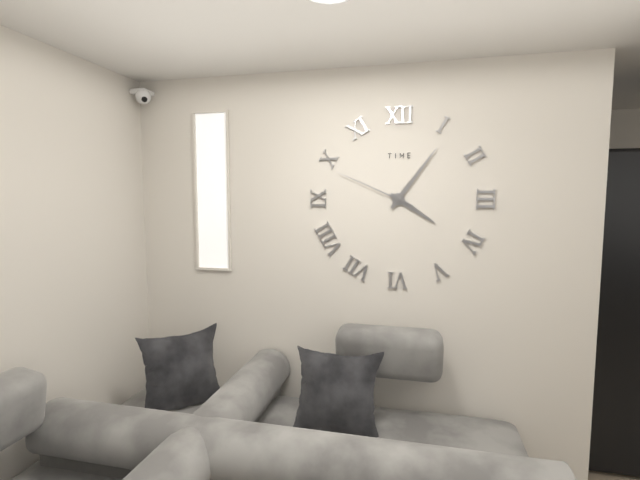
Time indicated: 4h06m49s
